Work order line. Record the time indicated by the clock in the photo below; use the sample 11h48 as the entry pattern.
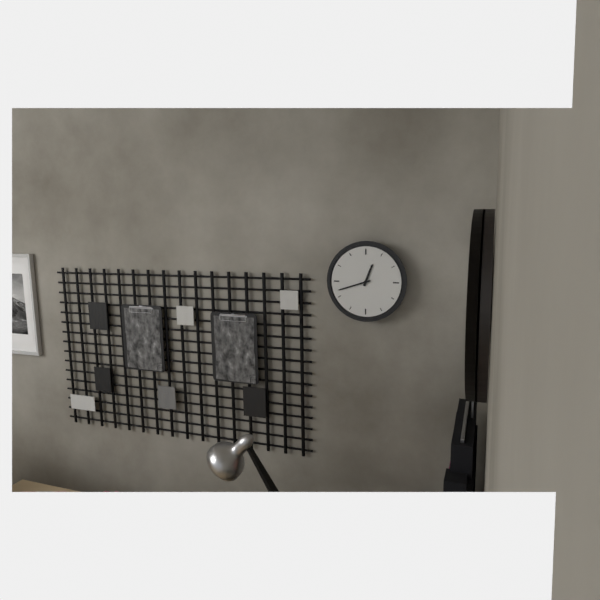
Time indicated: 12h42
